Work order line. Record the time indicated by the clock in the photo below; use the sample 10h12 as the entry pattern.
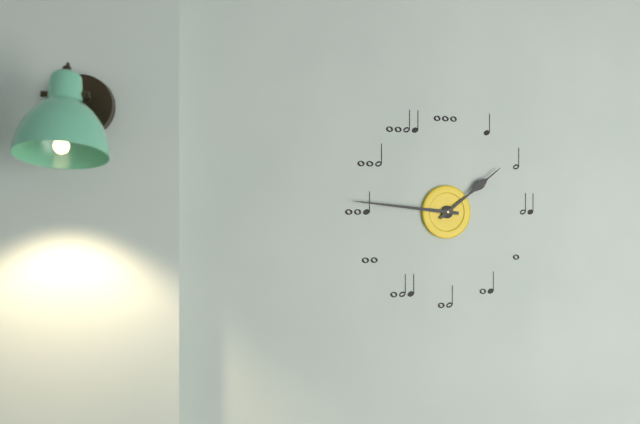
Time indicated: 1h46
